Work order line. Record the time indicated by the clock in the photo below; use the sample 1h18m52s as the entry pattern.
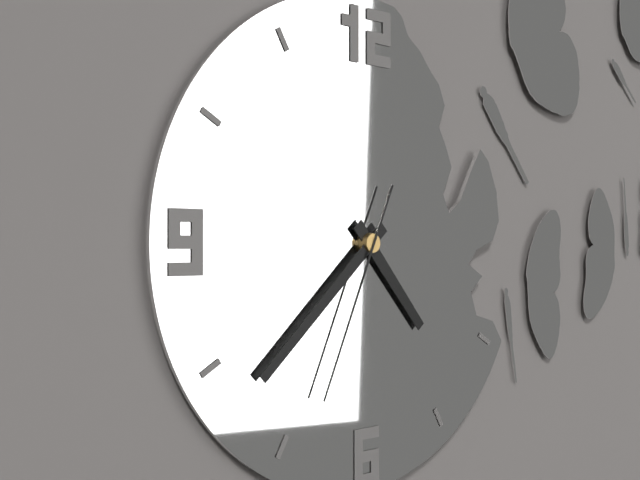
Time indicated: 4h38m34s
